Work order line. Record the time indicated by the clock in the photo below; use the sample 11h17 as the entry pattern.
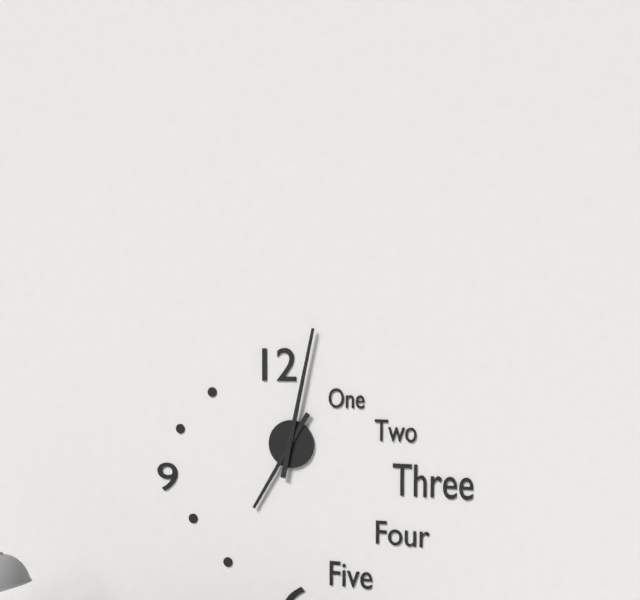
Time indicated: 7h02
